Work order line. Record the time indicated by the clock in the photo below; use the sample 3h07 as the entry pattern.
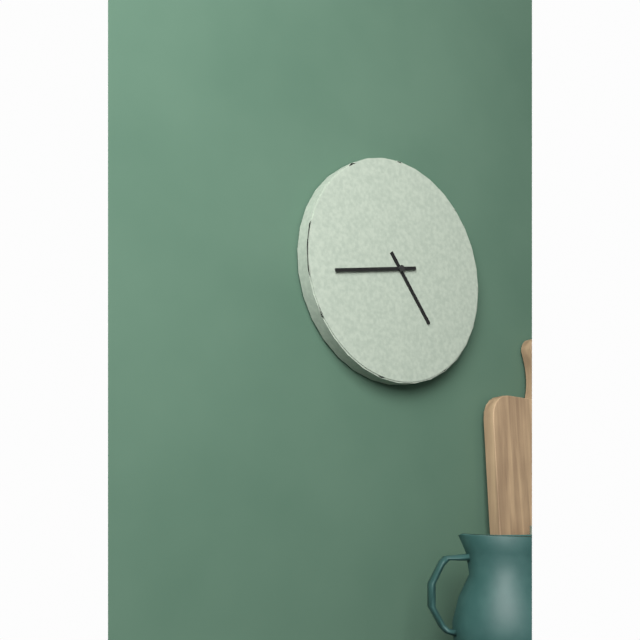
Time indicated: 4h43
